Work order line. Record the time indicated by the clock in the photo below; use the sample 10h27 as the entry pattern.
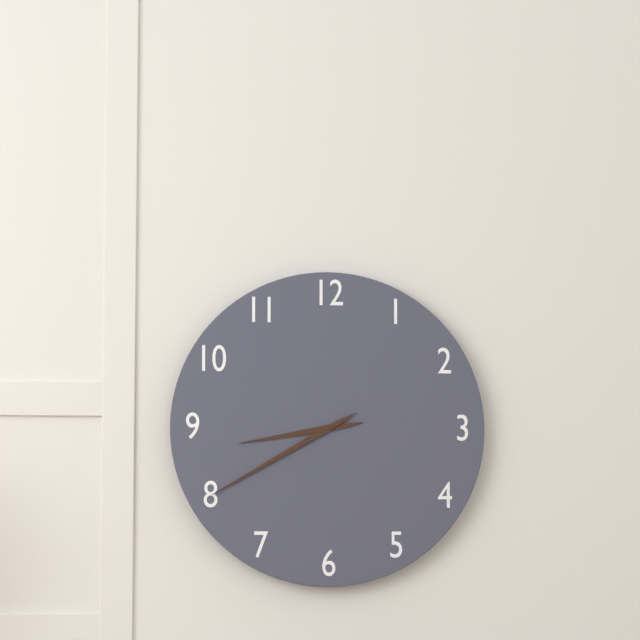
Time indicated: 8h40
